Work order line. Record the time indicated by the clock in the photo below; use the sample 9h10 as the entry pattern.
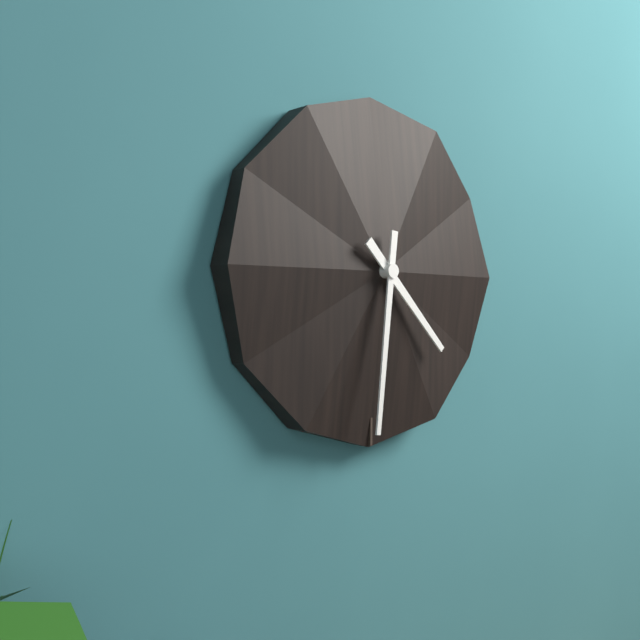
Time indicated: 4h31
